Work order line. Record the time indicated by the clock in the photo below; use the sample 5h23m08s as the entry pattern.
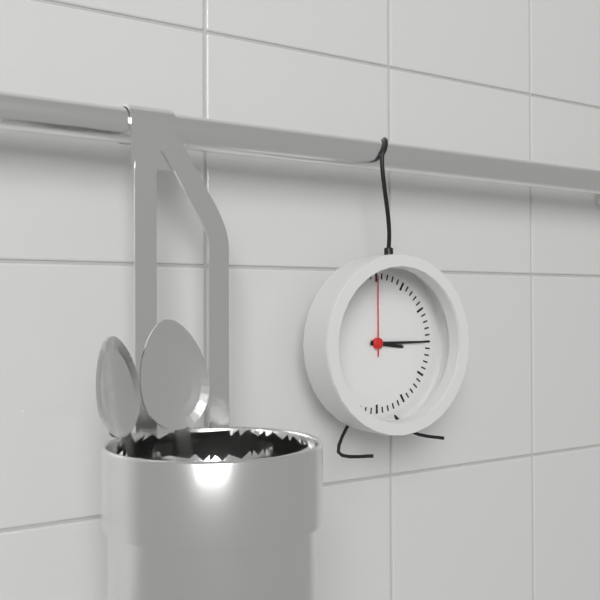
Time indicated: 3h15m00s
